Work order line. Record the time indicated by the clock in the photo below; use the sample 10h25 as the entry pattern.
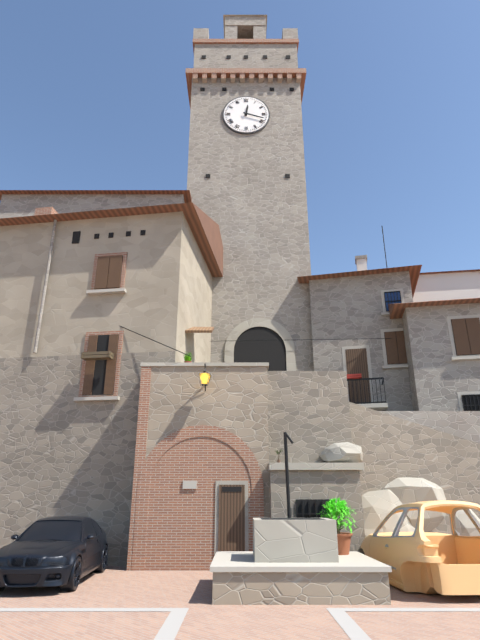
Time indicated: 12h18
